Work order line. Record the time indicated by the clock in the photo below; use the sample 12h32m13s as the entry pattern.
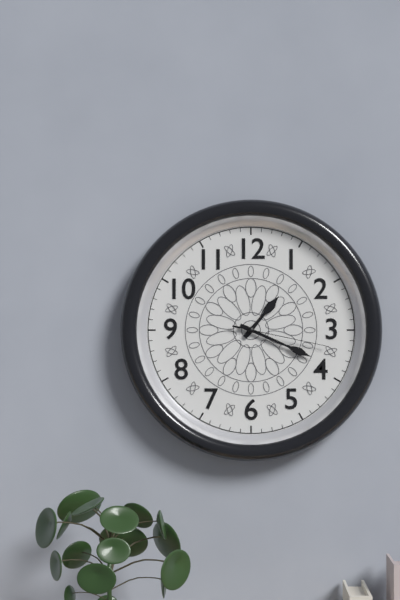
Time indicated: 1h19m17s
